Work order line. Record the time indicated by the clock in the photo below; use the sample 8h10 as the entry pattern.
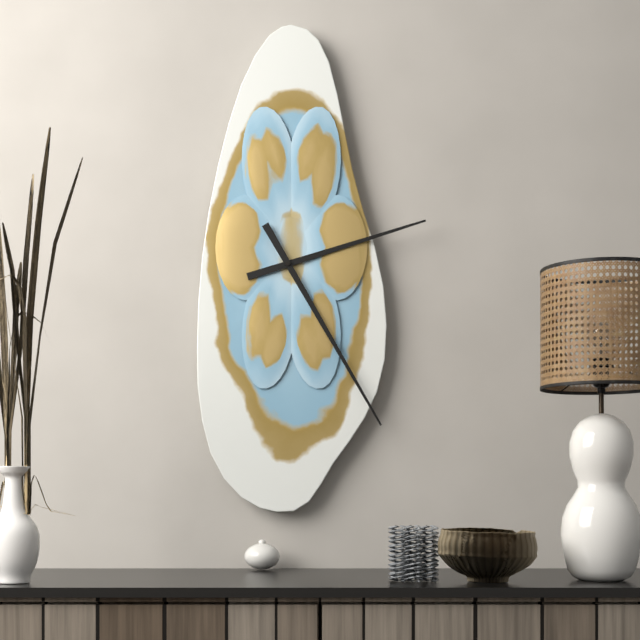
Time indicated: 2h25
